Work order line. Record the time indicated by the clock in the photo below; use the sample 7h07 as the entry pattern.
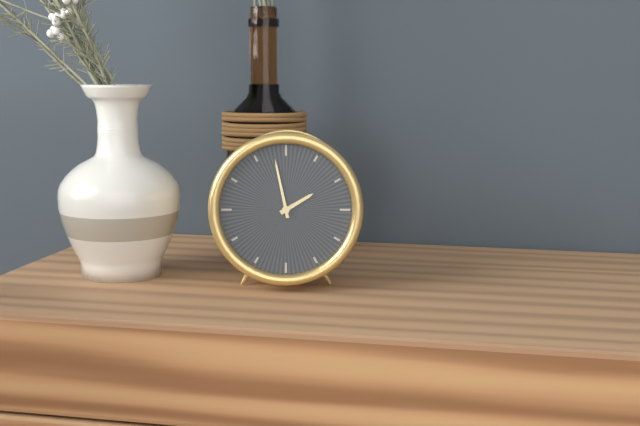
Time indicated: 1h58
